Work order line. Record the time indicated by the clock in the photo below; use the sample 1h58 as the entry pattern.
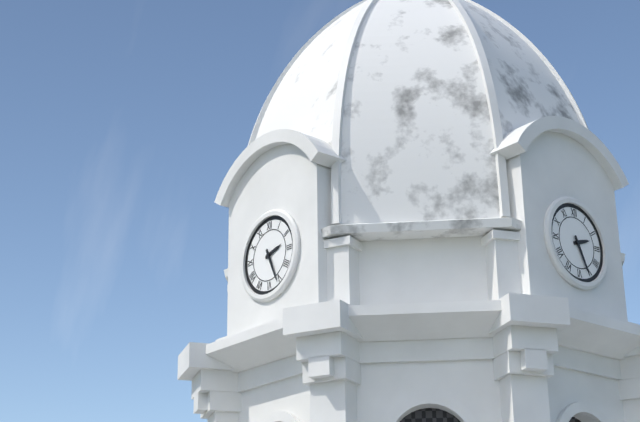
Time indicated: 2h26
